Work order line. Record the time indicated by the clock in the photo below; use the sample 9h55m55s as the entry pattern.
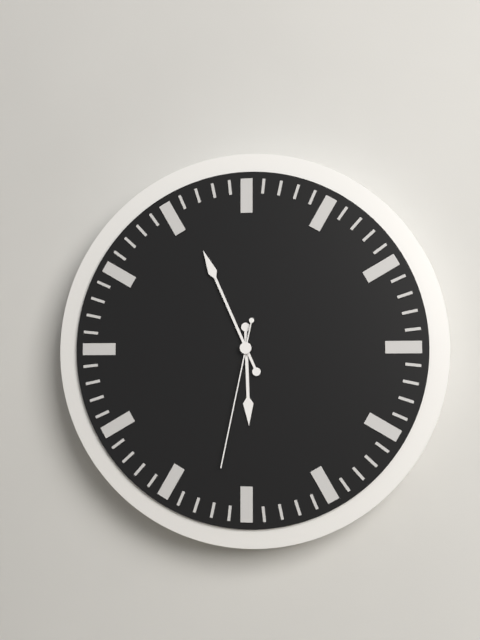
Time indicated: 5h56m32s
